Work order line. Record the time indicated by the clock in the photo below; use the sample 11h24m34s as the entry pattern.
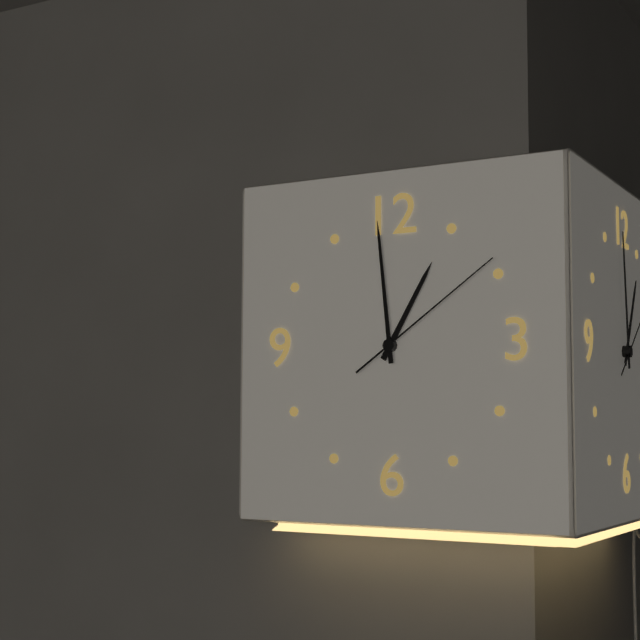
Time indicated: 12h59m09s
